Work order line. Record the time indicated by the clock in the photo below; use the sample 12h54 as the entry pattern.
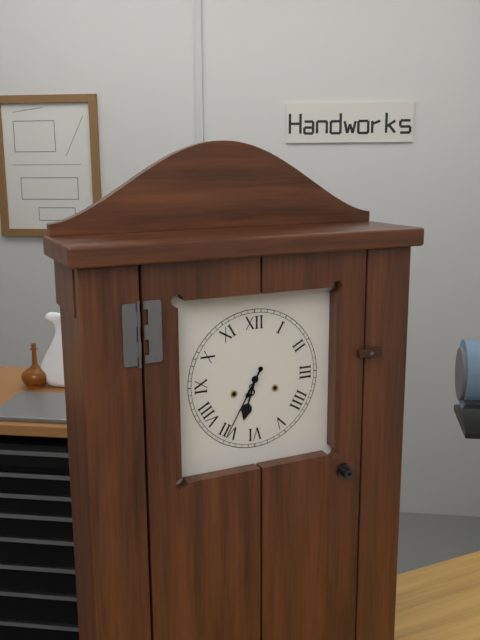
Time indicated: 6h35
